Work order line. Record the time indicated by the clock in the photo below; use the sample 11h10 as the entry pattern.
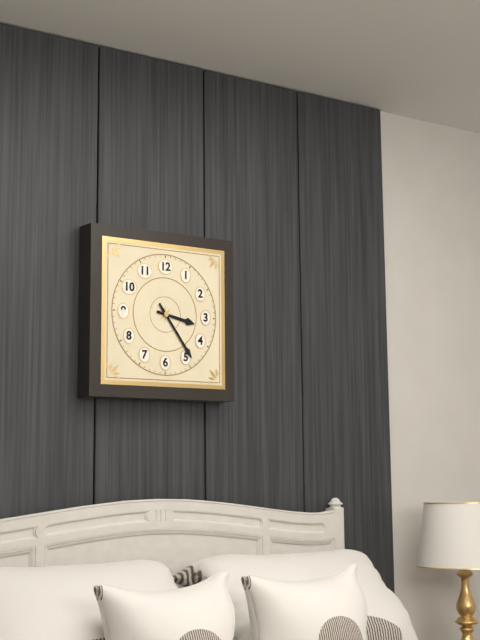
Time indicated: 3h24
